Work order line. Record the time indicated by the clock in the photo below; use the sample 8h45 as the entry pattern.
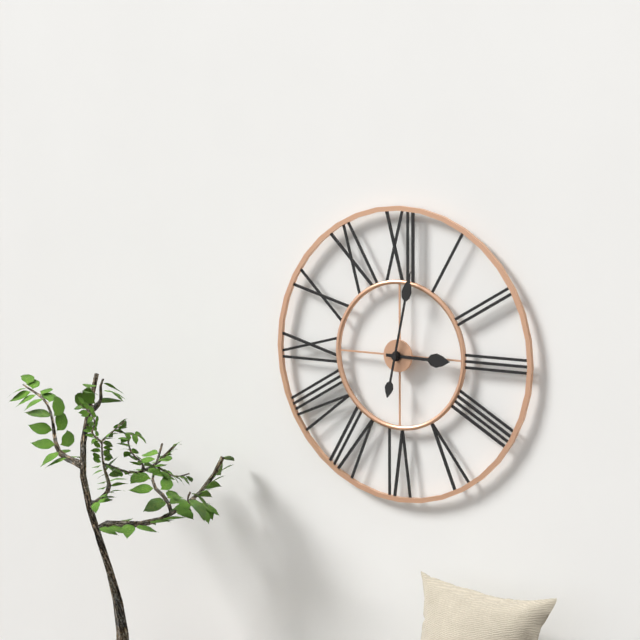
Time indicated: 3h02
